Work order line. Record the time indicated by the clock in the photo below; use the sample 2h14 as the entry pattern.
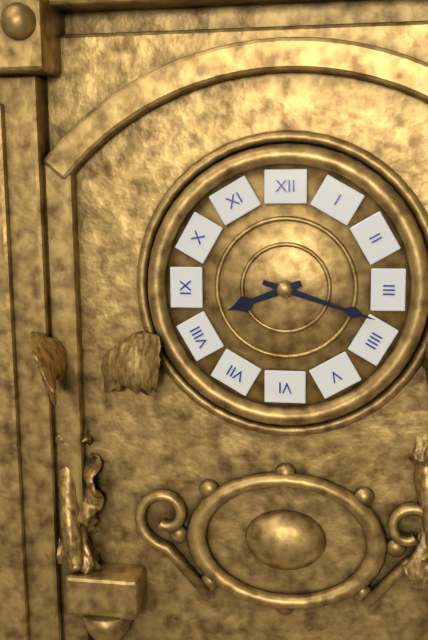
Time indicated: 8h18
